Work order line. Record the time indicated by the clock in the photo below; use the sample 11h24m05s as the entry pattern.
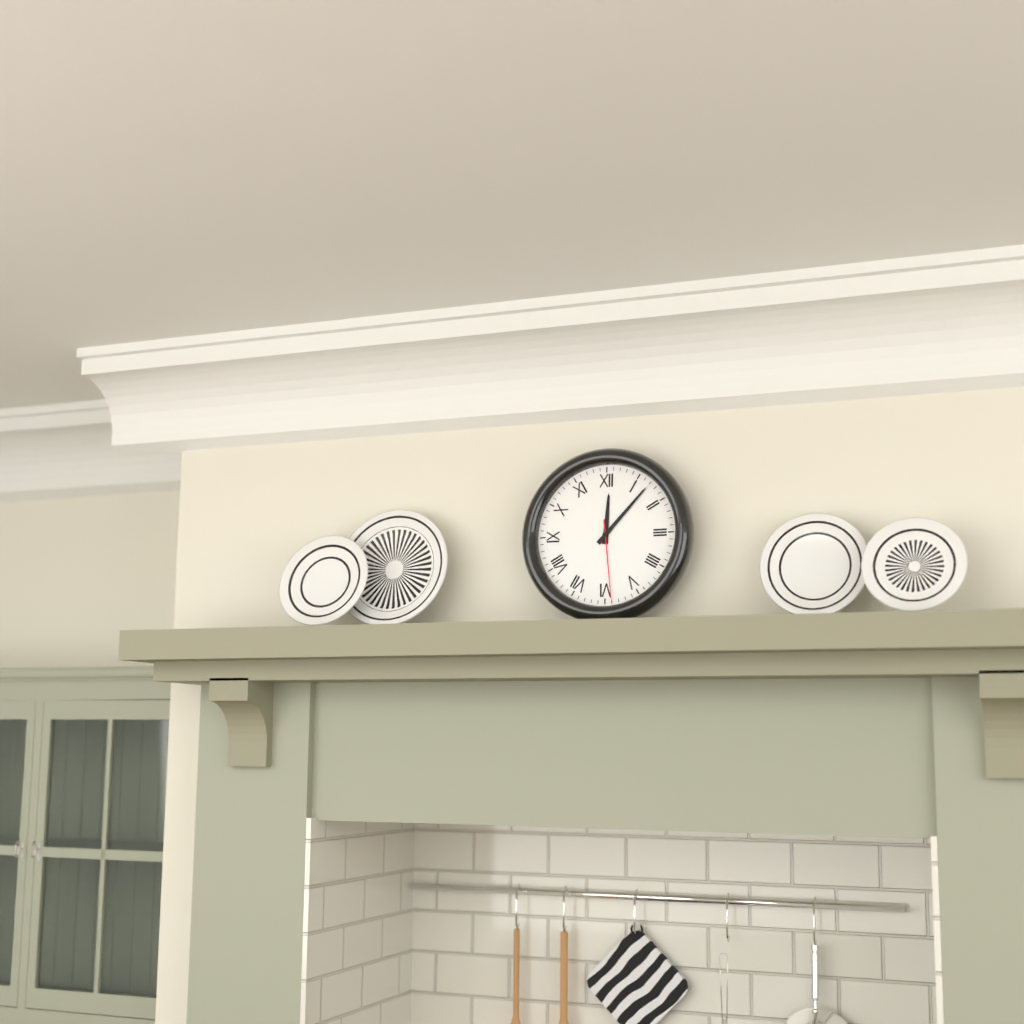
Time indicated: 12h07m29s
